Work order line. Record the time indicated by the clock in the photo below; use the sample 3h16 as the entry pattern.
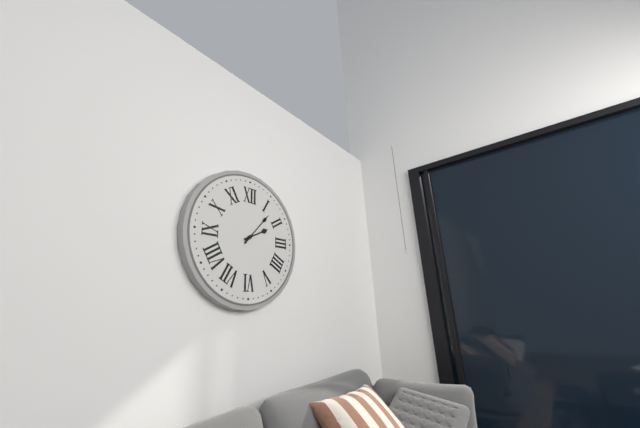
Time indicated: 2h07
